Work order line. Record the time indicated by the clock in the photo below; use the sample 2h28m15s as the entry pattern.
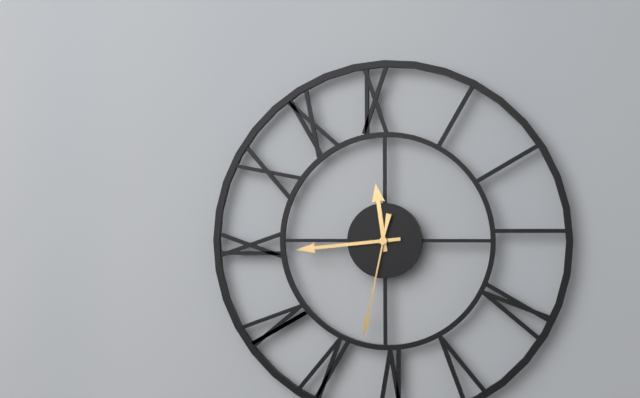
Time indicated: 11h44m32s
